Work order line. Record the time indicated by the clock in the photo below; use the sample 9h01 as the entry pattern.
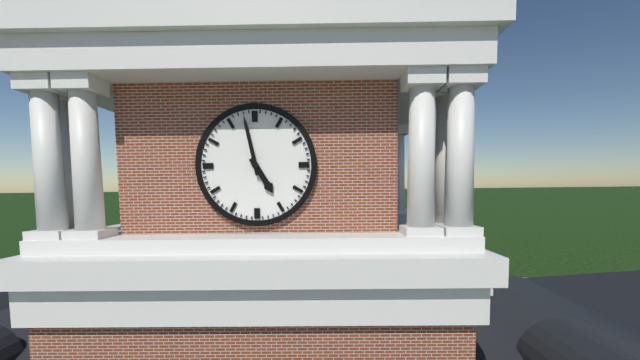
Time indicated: 4h58
